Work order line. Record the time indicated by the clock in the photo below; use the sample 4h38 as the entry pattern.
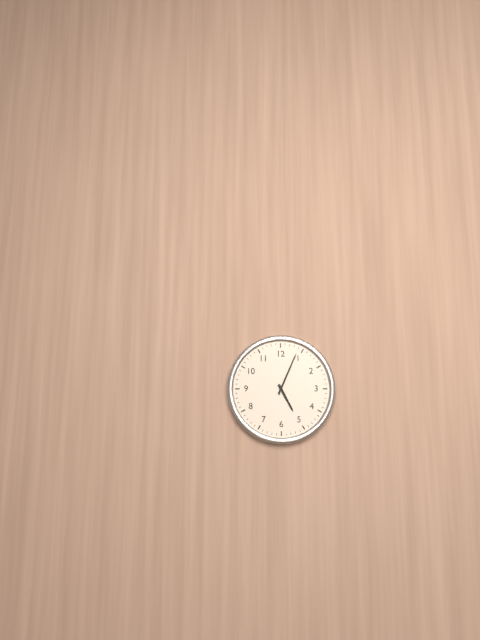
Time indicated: 5h04
